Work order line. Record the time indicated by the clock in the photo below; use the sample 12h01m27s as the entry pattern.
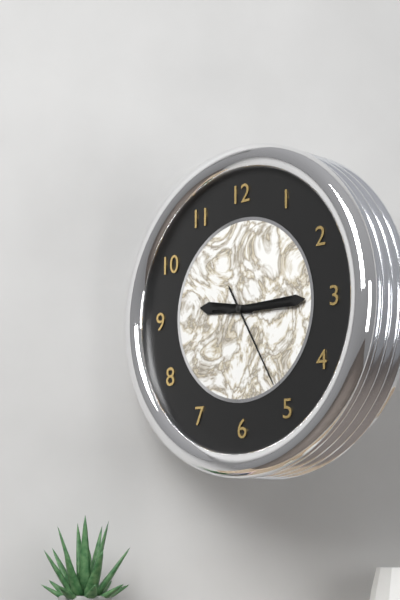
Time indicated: 9h15m25s
